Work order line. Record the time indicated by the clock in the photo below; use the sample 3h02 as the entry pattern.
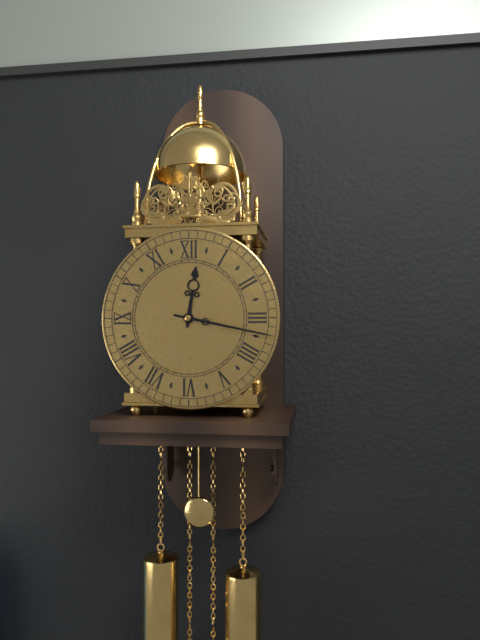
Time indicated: 12h17
